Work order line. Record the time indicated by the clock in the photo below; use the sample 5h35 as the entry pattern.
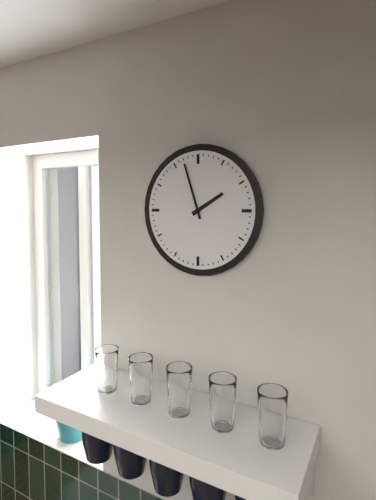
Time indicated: 1h57
